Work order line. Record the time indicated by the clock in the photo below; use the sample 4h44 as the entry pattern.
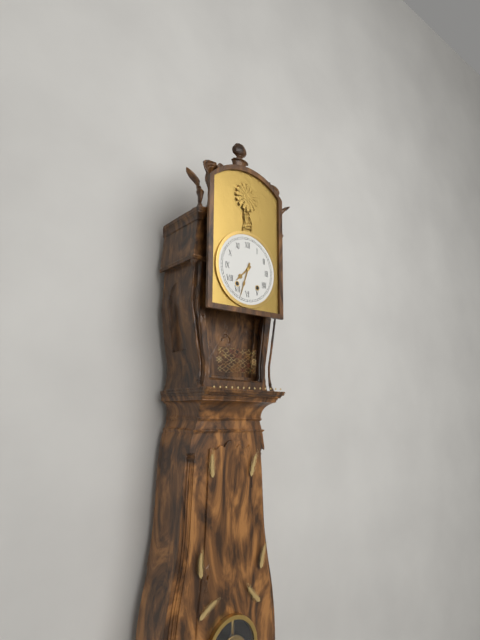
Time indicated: 7h33
